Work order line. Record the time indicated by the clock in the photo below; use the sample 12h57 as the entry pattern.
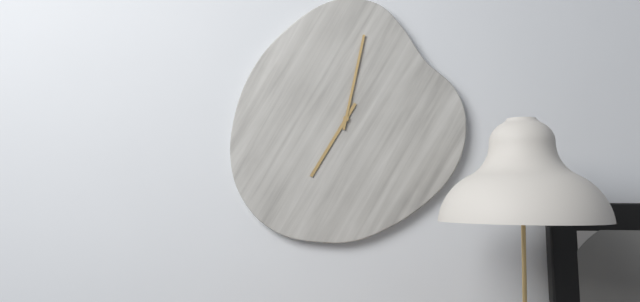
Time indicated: 7h02
